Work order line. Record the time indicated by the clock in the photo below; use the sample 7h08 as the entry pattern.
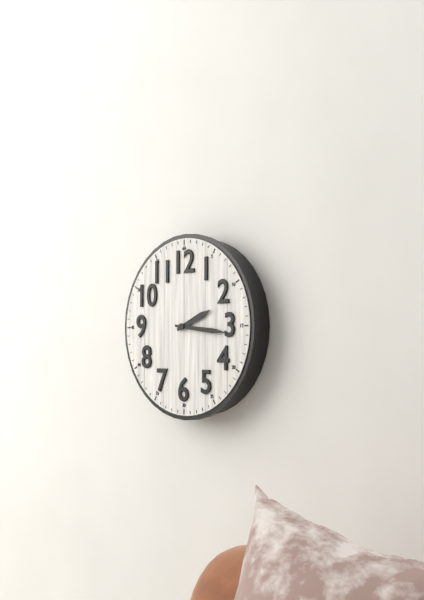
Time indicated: 2h16
